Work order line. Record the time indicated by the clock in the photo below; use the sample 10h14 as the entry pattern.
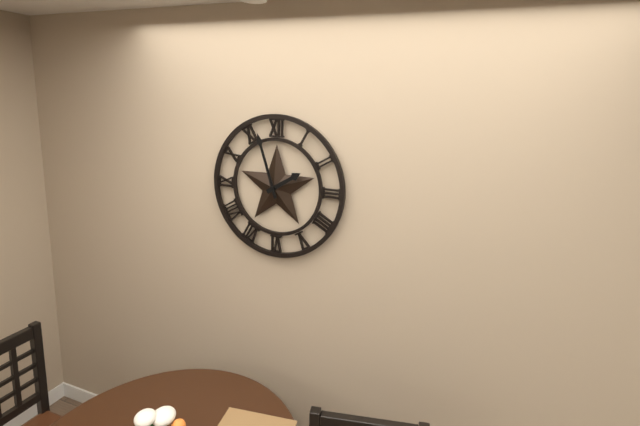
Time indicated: 1h57
